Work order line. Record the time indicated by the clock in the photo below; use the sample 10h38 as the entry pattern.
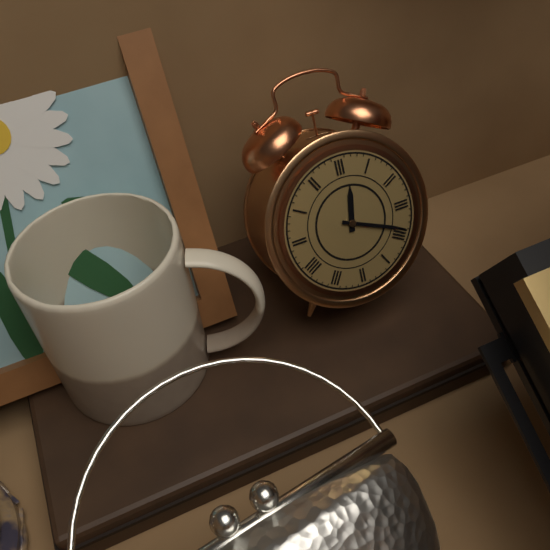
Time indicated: 12h19
